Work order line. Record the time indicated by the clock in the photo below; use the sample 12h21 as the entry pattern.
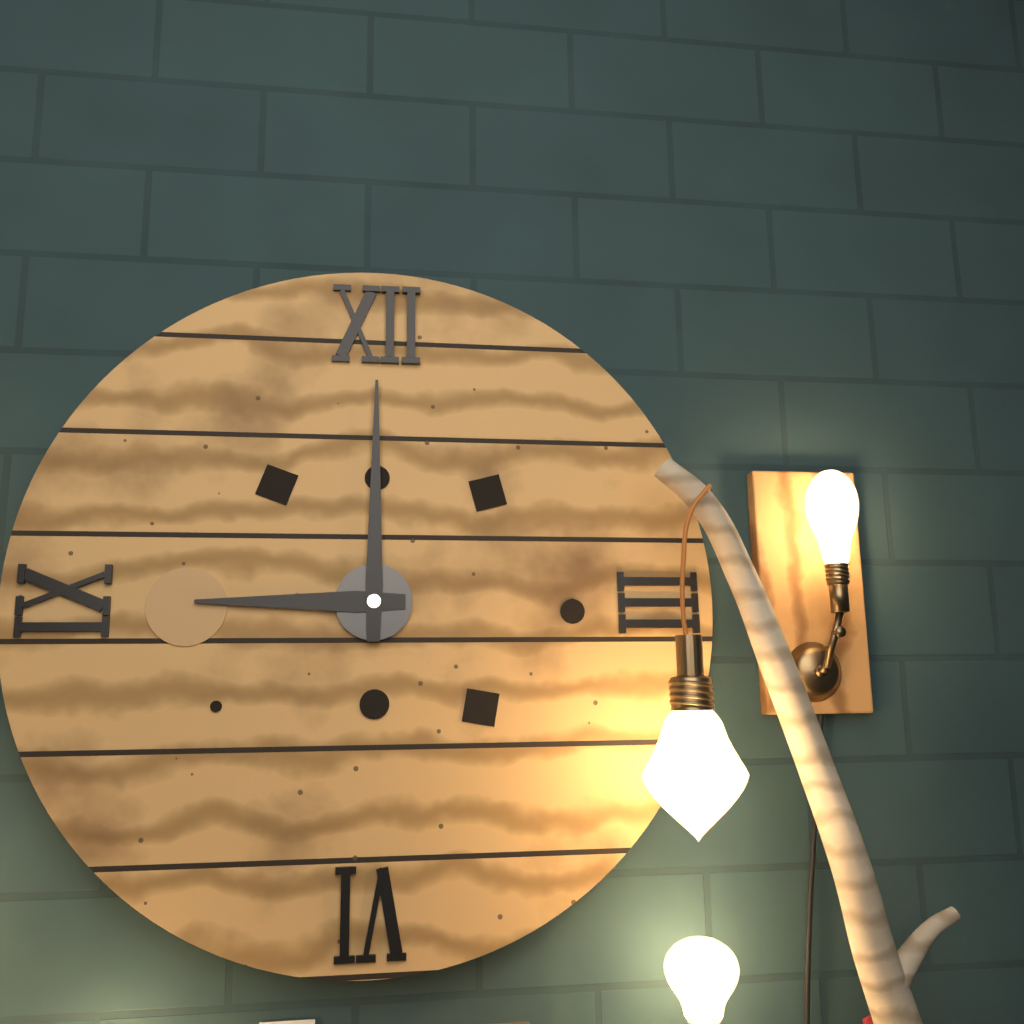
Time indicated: 9h00
